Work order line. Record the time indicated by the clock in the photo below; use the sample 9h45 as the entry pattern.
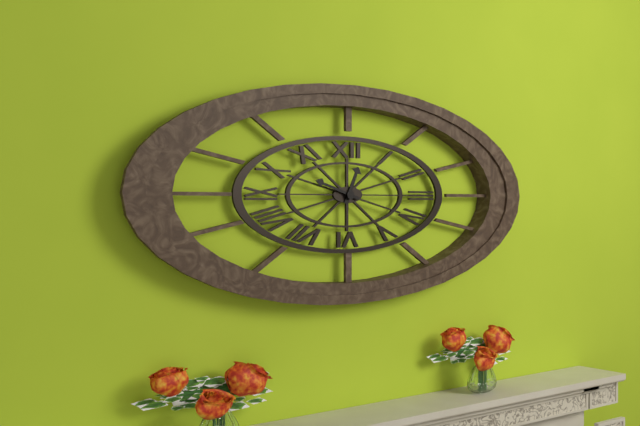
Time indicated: 12h48
